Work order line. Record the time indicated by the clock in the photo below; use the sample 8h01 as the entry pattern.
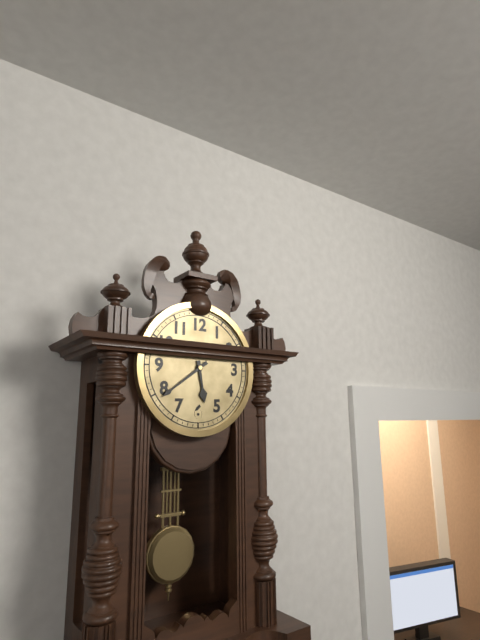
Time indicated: 5h39
